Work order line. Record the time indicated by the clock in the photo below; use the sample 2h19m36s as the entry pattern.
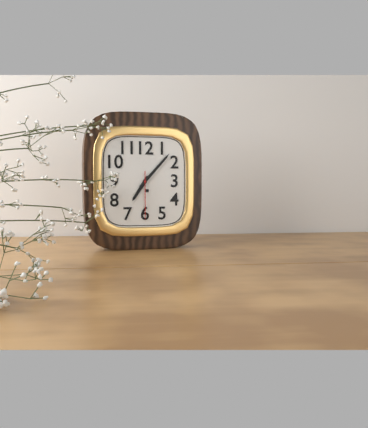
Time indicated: 7h07m30s
